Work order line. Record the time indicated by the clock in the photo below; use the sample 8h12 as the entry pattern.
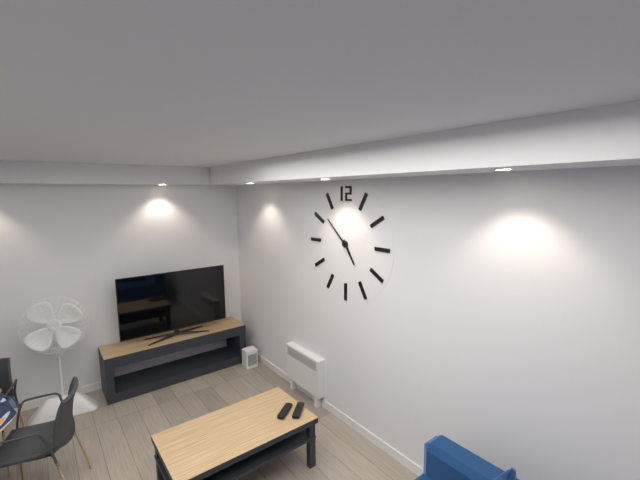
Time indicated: 4h52
